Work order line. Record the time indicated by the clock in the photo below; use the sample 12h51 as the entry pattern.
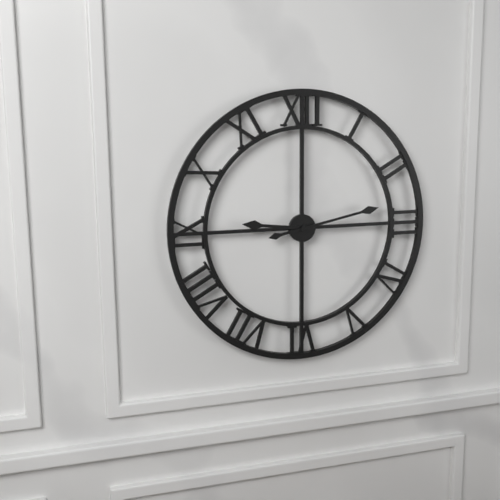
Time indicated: 9h13
